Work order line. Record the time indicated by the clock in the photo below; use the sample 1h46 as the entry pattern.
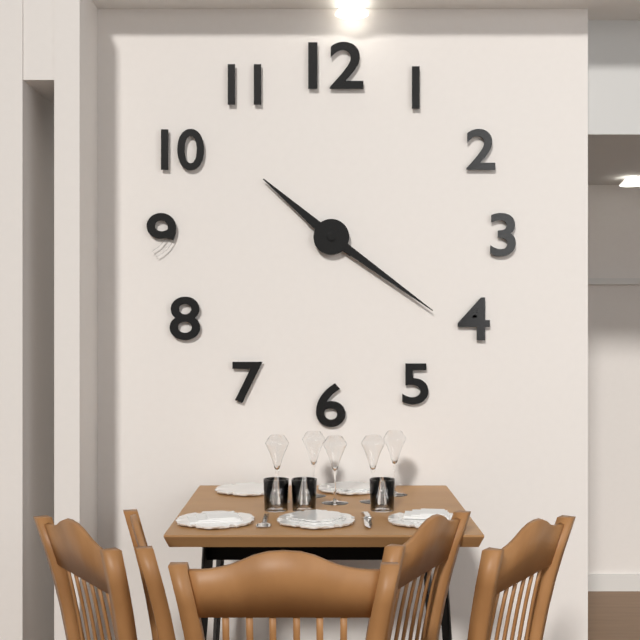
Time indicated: 10h21
